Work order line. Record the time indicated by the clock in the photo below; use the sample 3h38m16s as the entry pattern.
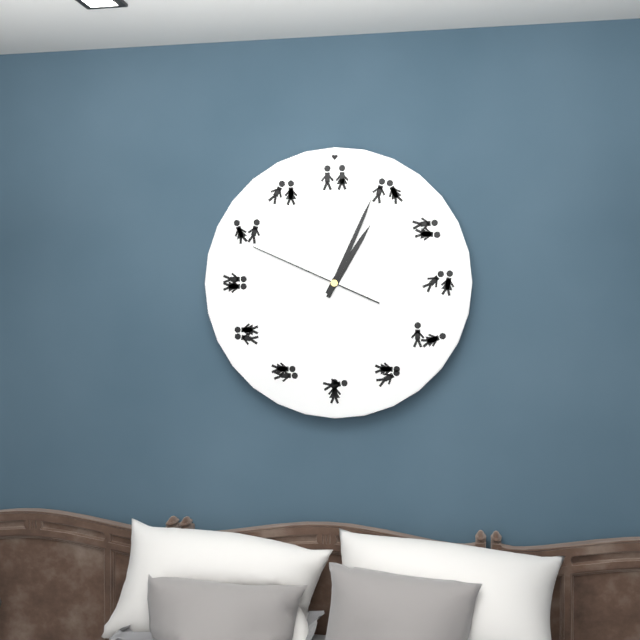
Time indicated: 1h04m49s
